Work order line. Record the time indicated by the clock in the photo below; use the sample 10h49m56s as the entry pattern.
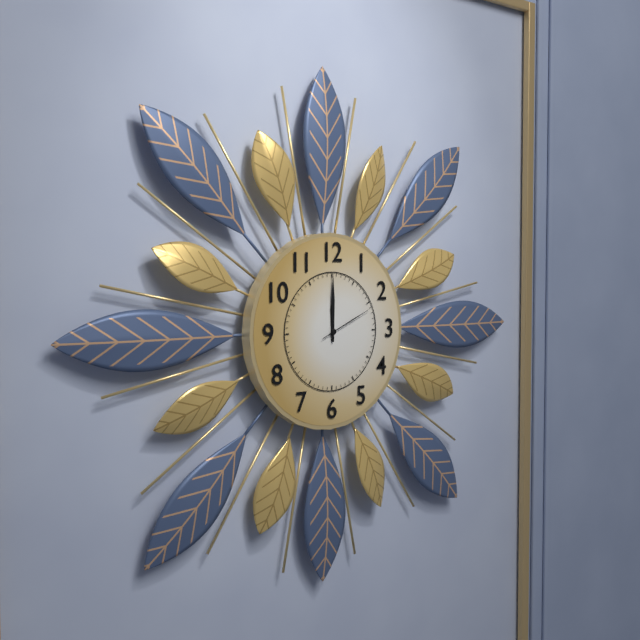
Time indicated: 12h00m11s
